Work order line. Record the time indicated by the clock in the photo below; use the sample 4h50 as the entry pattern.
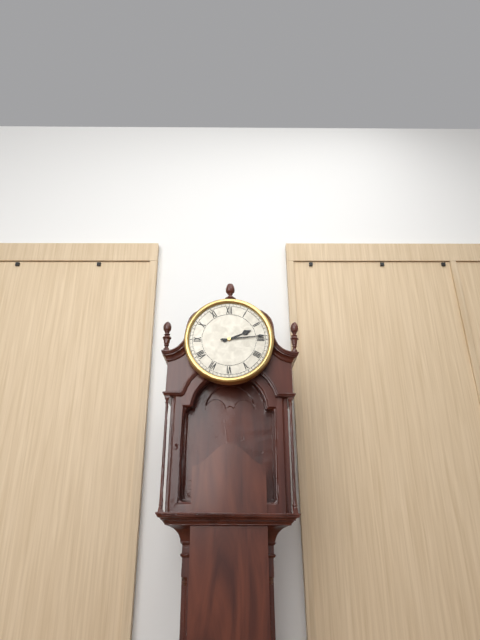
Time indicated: 2h14
